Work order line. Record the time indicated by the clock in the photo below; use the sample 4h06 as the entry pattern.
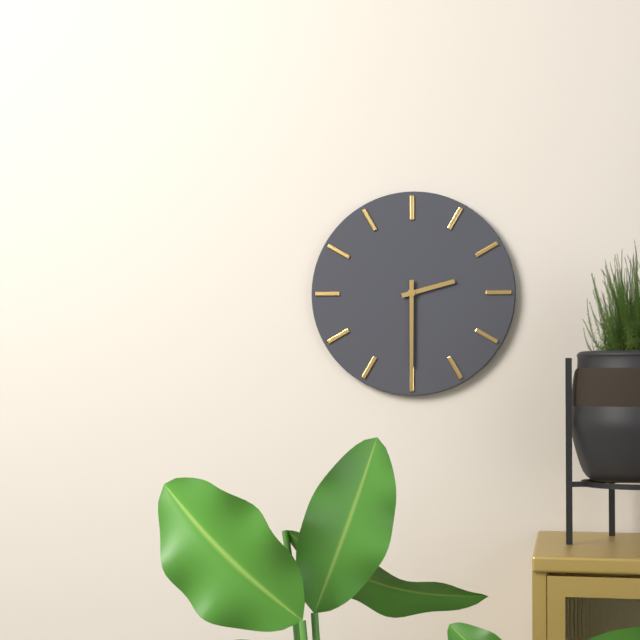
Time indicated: 2h30
